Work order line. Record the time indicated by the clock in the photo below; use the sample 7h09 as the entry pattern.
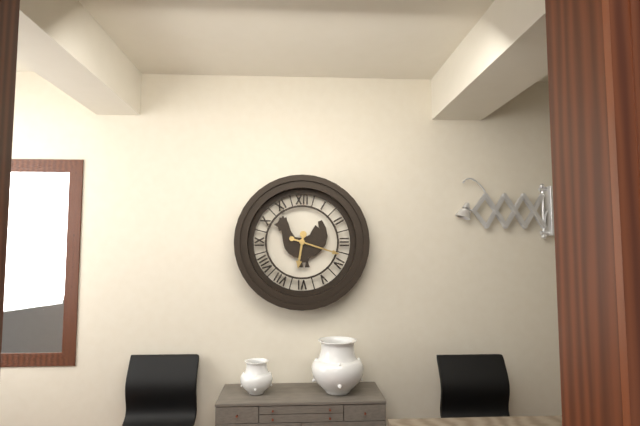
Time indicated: 6h18
